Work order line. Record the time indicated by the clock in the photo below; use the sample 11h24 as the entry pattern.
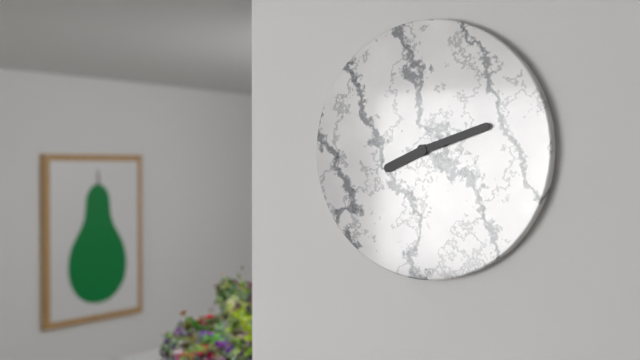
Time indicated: 8h12
